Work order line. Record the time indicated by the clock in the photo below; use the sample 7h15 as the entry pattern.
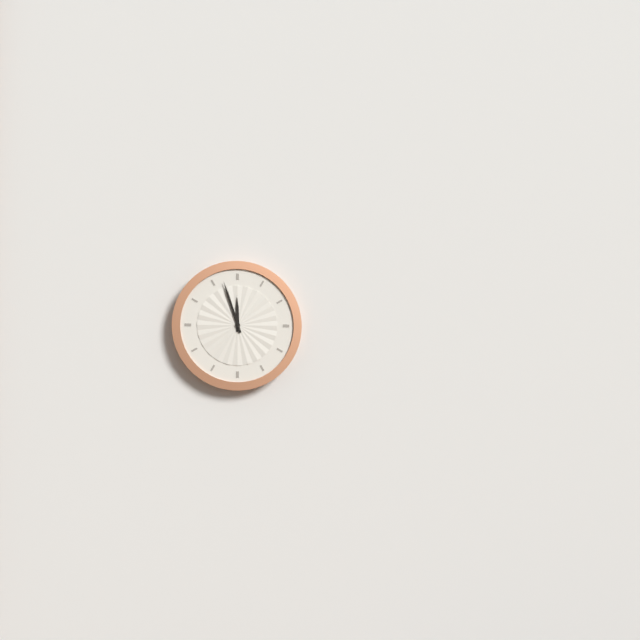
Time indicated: 11h57
